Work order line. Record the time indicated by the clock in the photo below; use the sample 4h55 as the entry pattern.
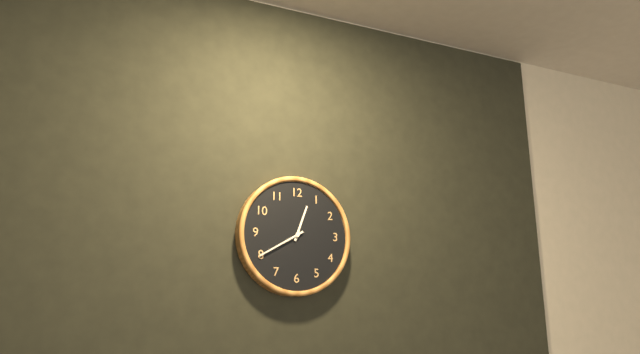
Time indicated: 12h40
